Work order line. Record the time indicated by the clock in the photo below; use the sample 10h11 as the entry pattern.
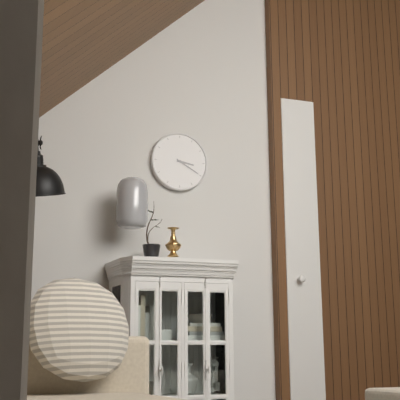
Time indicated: 3h20
